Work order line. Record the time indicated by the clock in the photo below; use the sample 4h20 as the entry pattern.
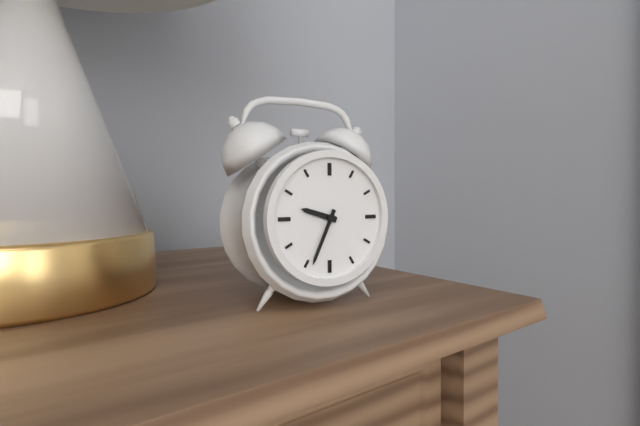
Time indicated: 9h34
